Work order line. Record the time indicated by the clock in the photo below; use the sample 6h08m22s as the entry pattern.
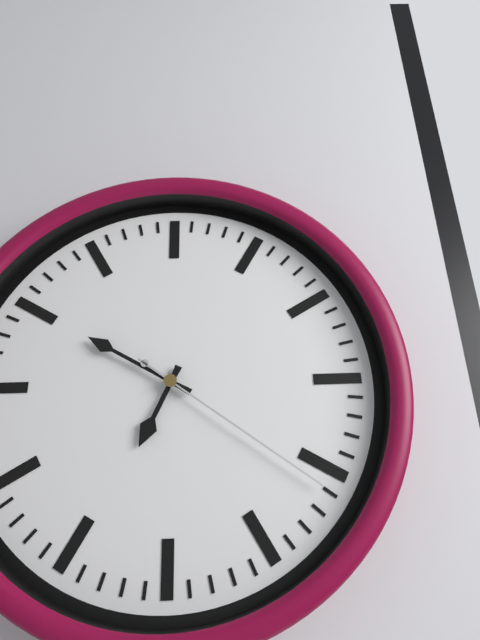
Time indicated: 6h50m21s
